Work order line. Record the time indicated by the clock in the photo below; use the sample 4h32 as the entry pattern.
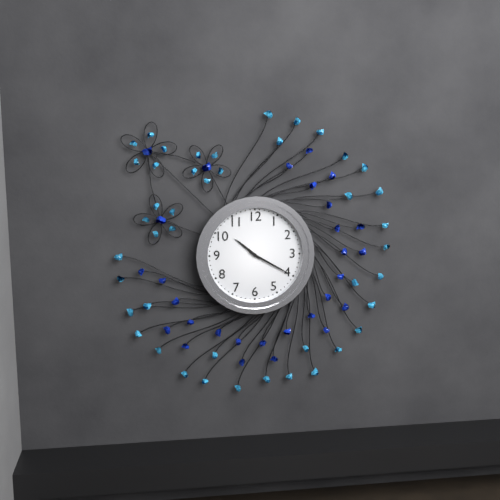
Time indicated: 10h20
